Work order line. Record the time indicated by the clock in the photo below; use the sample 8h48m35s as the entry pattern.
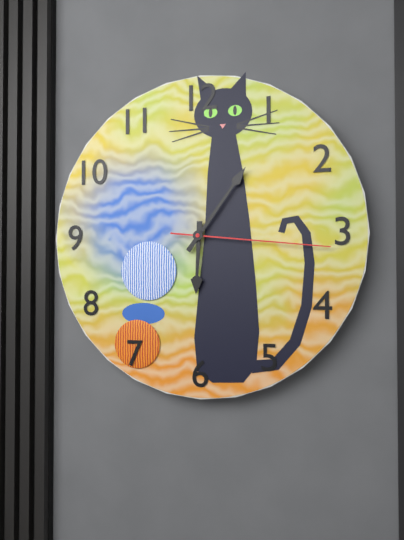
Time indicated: 6h06m16s
